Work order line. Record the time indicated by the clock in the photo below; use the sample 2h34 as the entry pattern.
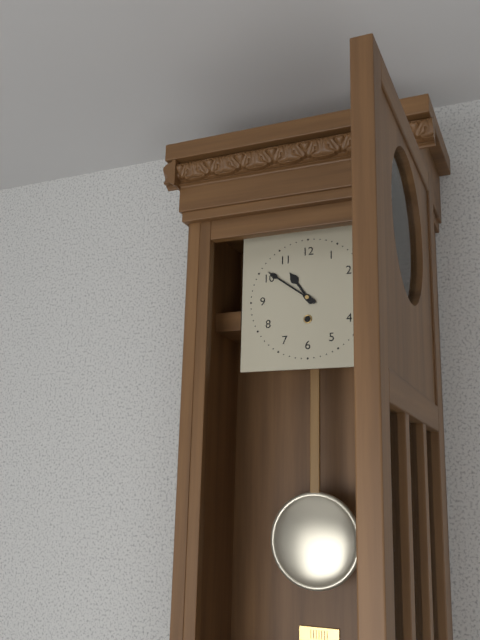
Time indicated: 10h51
